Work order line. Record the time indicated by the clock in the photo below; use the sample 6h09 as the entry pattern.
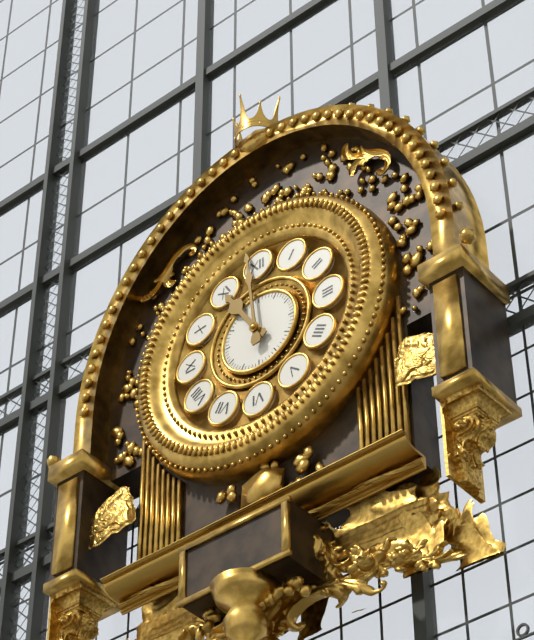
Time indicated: 10h59
